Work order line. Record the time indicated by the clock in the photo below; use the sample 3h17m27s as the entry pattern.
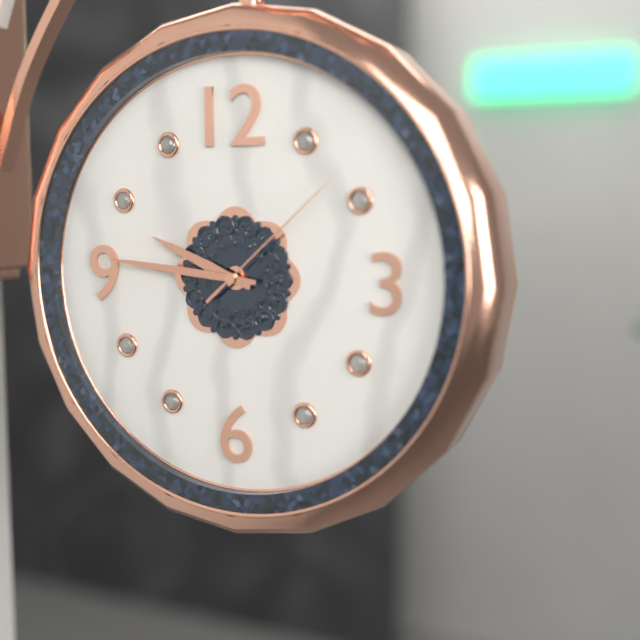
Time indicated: 9h46m08s
